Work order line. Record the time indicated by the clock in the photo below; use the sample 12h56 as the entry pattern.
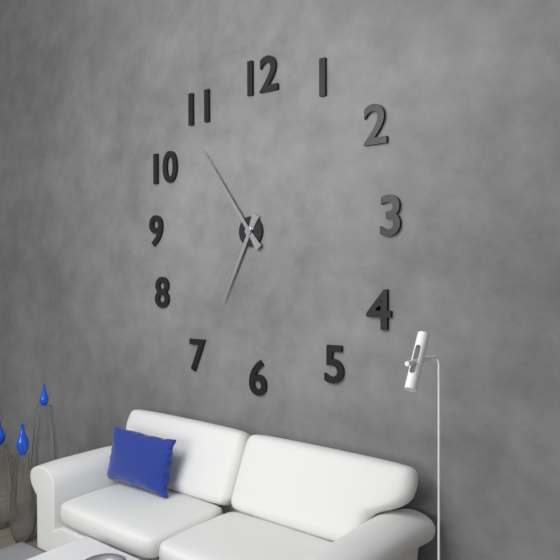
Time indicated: 6h54
